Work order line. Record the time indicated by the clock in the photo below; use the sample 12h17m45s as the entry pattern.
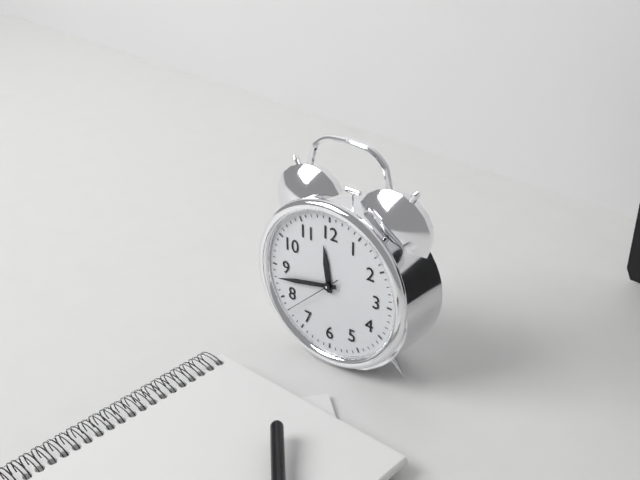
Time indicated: 11h43m38s
